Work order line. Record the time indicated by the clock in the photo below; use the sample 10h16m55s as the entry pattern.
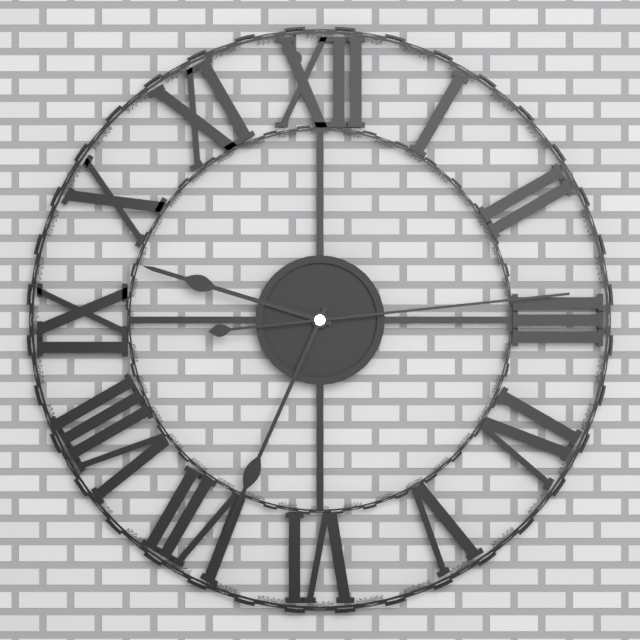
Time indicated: 9h34m14s
